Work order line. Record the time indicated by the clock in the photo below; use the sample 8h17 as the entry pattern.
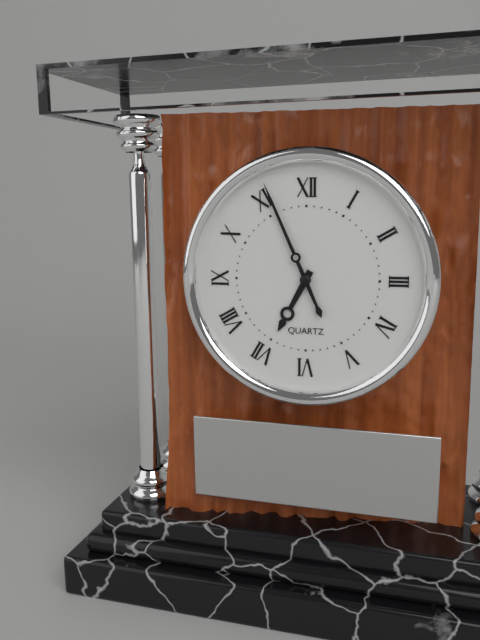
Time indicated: 6h56
